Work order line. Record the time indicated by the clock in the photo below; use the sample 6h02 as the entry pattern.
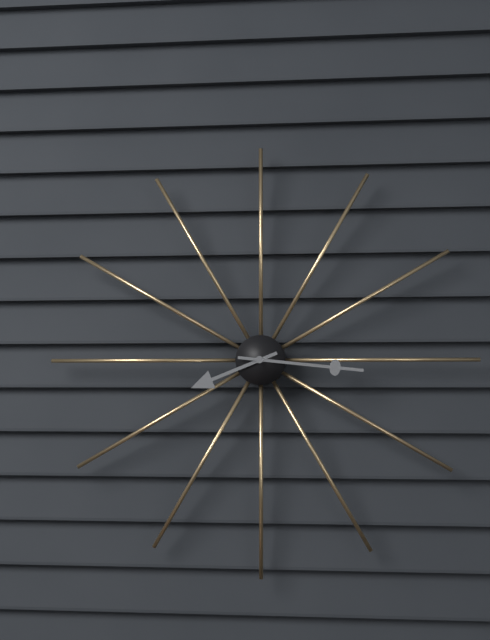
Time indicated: 8h16
